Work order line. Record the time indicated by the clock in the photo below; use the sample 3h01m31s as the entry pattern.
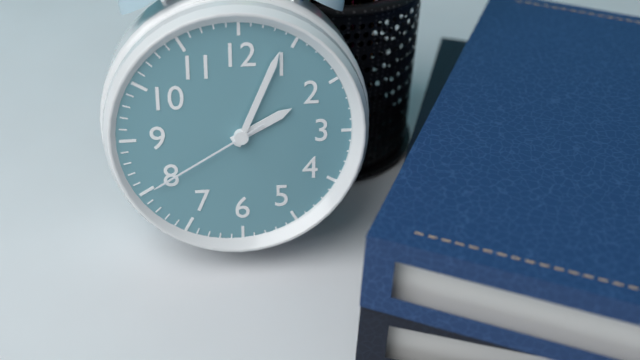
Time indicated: 2h04m40s
